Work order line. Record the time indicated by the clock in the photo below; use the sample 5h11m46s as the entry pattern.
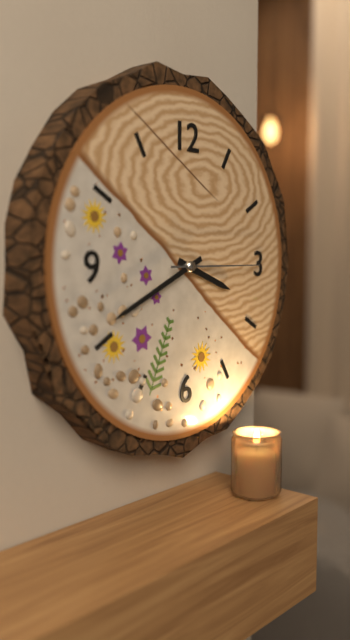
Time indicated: 3h41m15s
